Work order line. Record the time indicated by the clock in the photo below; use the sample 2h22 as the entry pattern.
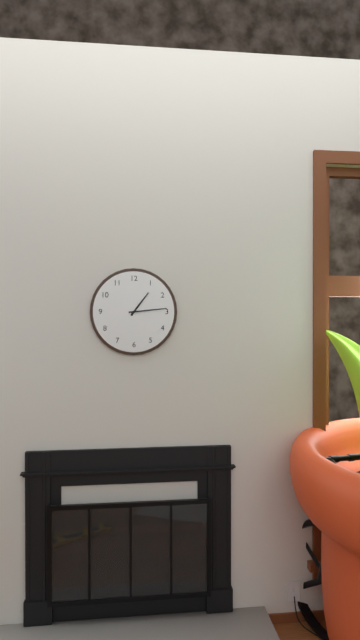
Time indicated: 1h14
